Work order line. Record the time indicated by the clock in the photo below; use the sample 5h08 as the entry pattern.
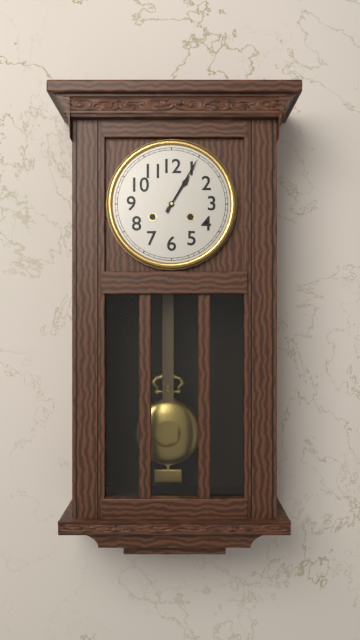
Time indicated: 1h05
